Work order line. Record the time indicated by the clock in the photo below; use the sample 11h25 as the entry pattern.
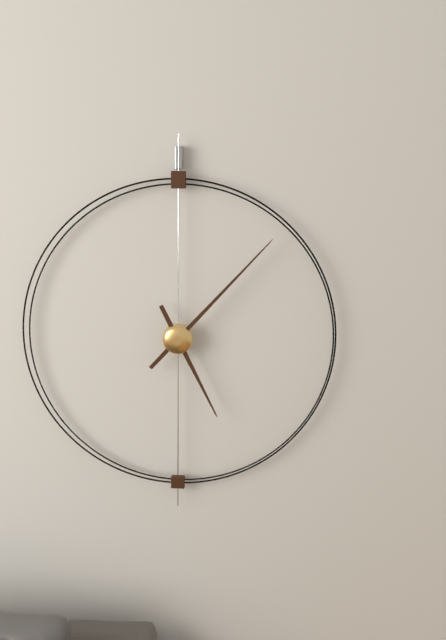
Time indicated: 5h07
